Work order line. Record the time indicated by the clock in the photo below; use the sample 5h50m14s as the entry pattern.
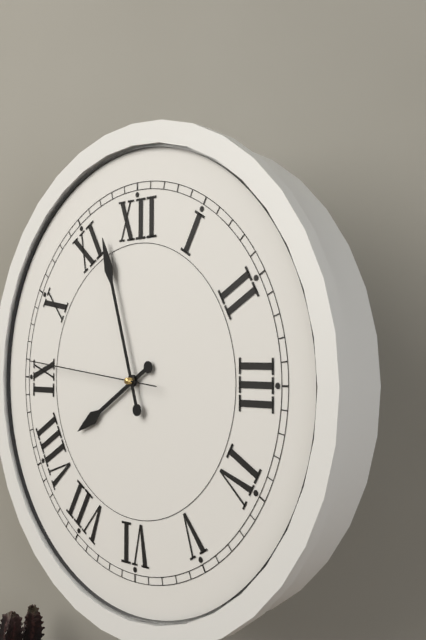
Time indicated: 7h57m46s
